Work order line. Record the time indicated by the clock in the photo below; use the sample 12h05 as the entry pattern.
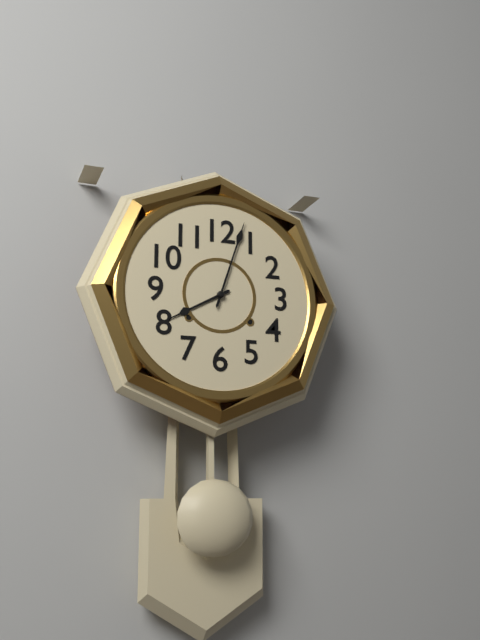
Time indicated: 8h03
